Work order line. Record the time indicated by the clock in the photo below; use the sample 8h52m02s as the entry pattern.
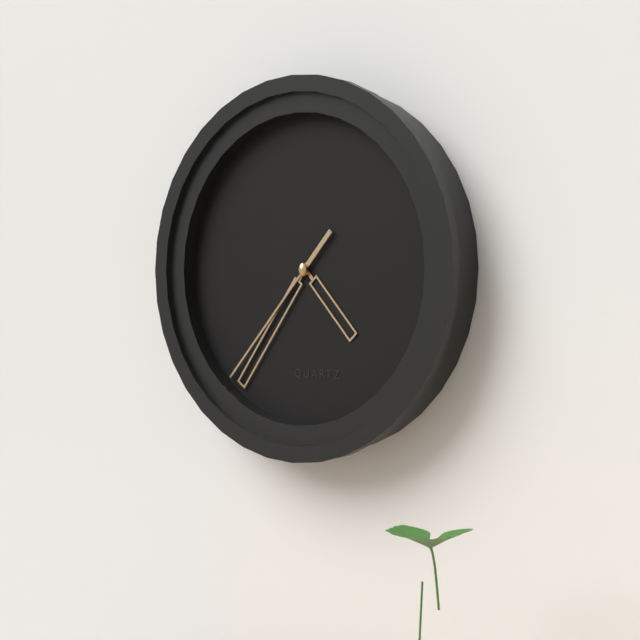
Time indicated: 4h36m37s
